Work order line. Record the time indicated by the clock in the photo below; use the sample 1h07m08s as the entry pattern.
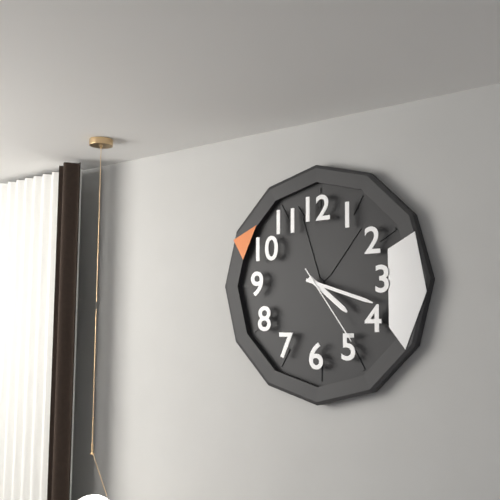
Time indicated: 4h18m24s
